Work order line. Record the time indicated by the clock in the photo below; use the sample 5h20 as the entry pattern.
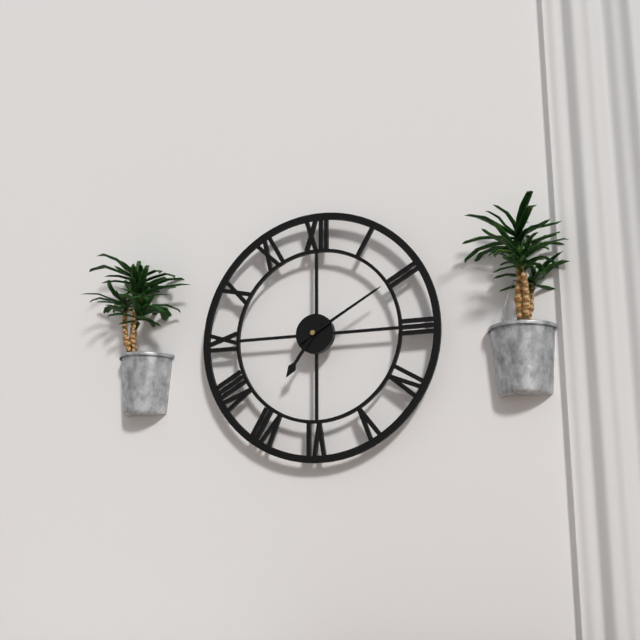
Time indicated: 7h10
